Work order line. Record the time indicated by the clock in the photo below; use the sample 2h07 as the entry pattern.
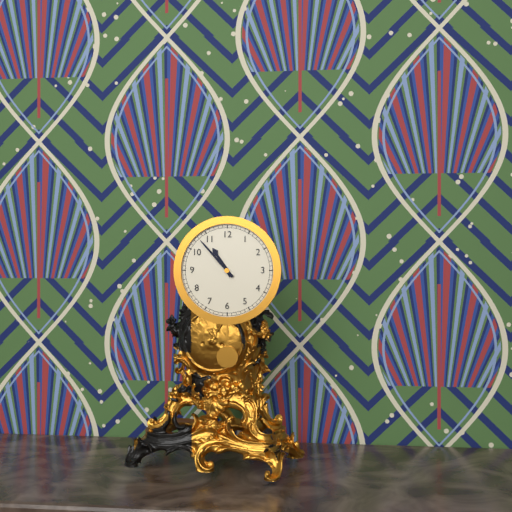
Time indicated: 10h53
